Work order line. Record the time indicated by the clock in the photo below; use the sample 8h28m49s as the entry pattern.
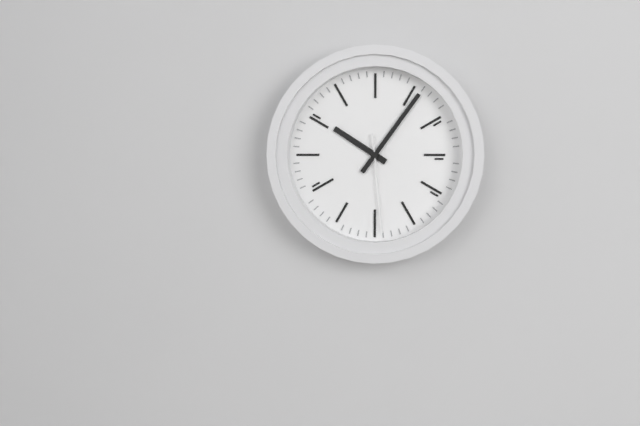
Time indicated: 10h06m29s
